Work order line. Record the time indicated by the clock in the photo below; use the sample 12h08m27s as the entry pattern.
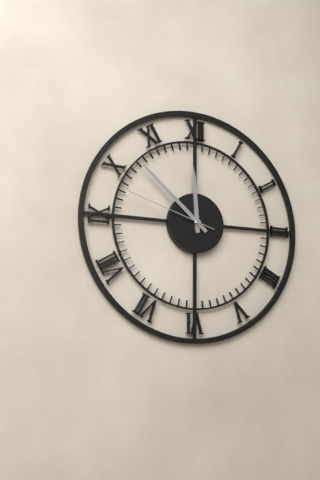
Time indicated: 11h52m48s
